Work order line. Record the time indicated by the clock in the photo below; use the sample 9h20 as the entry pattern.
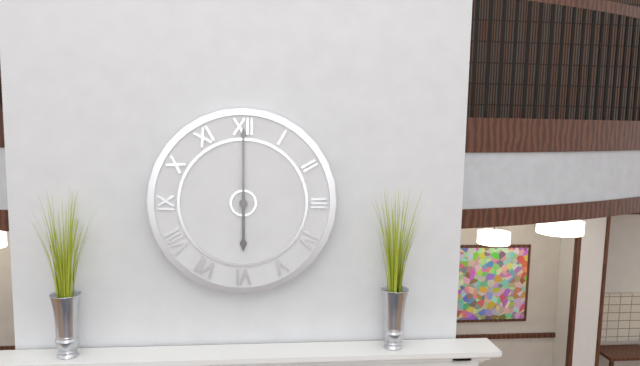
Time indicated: 6h00
